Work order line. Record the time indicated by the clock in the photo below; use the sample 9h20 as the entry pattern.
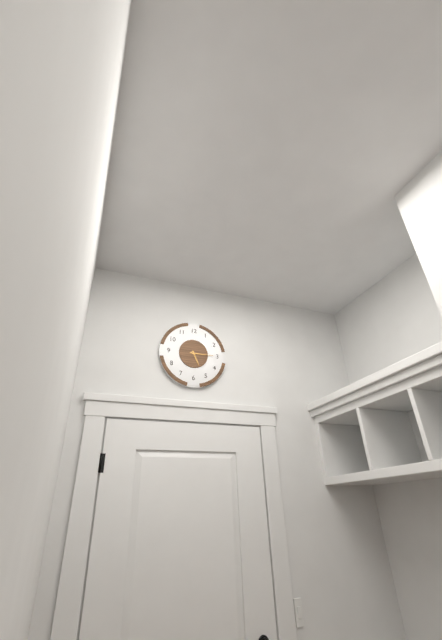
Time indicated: 5h15
